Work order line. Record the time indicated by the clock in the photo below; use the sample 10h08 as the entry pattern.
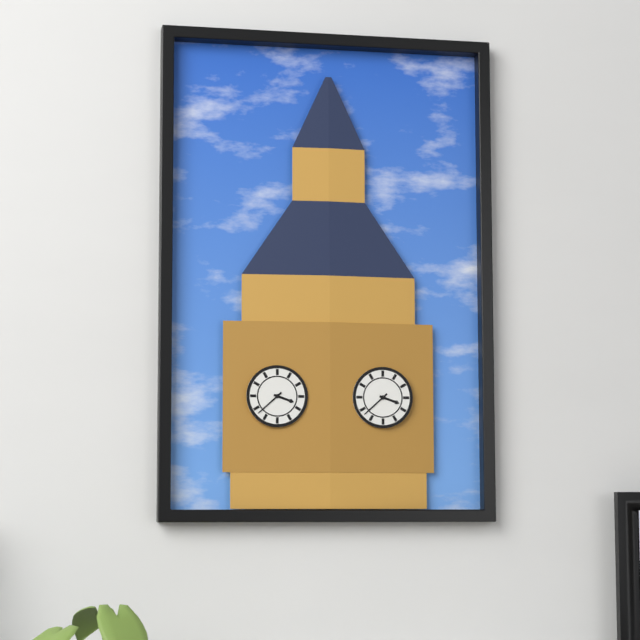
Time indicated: 3h38
